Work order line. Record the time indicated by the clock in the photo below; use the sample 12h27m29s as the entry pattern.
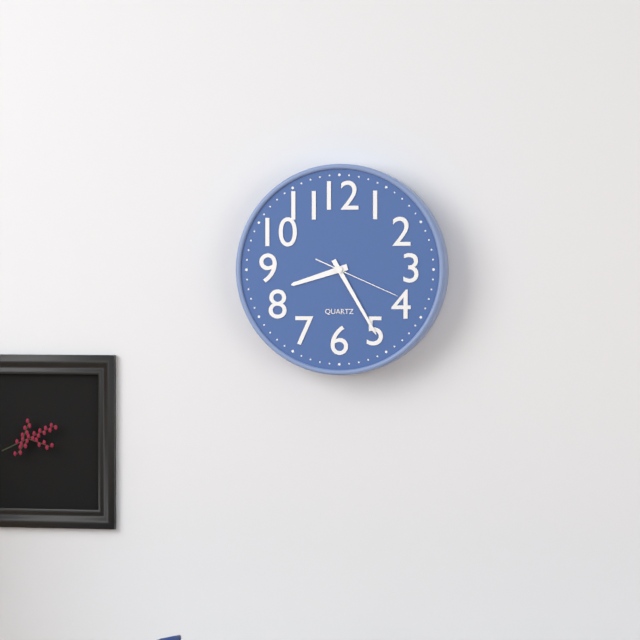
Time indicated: 8h25m19s
